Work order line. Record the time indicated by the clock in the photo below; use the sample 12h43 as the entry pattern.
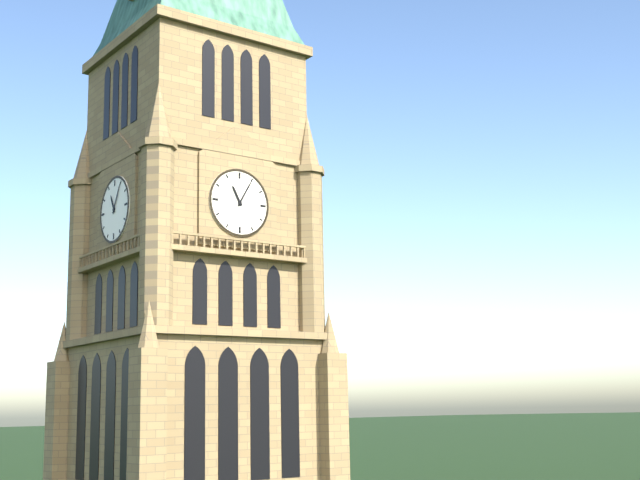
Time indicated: 11h05
